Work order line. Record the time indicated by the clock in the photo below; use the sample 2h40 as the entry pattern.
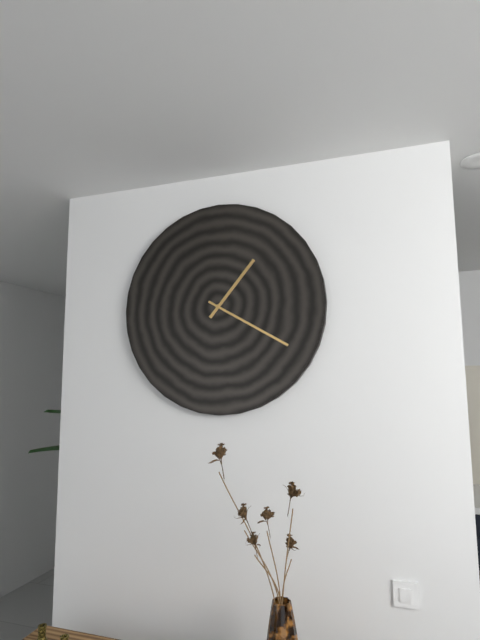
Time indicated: 1h20
